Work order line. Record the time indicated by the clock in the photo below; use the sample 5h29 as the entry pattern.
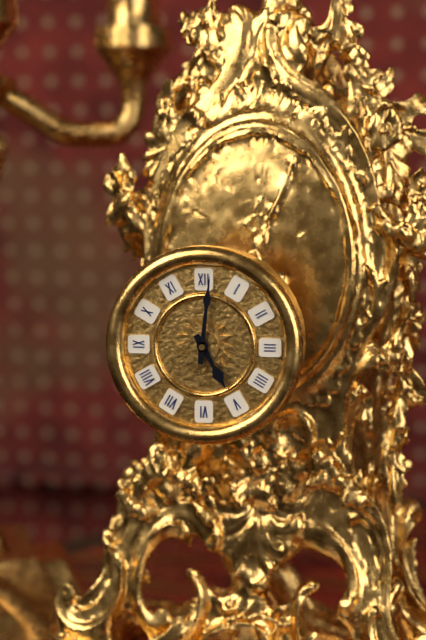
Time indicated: 5h01
